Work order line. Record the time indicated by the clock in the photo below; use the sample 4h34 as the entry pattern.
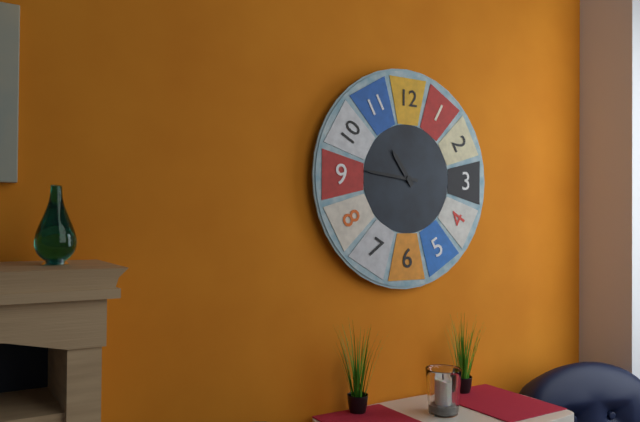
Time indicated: 10h46
